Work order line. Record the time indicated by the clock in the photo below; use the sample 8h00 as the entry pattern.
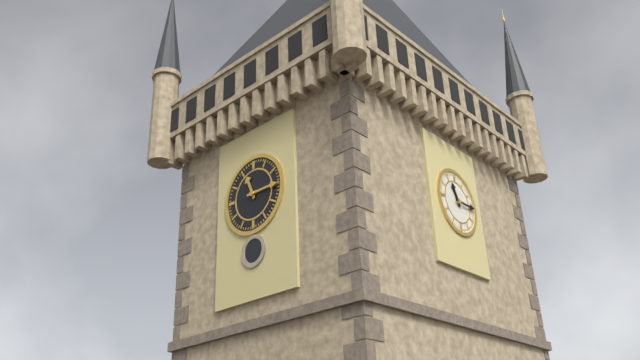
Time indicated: 11h15
